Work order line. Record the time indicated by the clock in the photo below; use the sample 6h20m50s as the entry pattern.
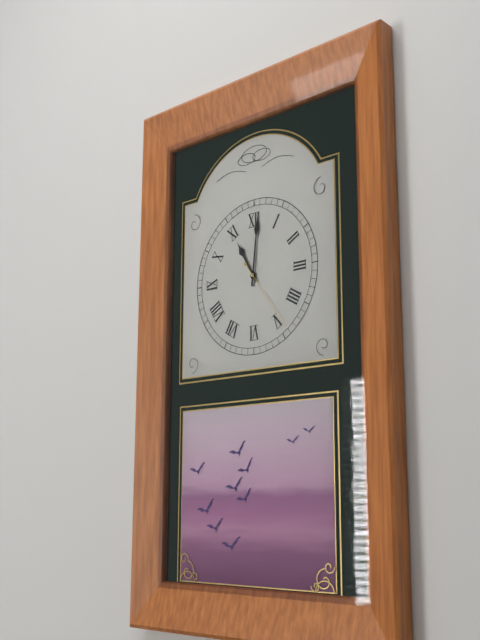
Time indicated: 11h01m24s
